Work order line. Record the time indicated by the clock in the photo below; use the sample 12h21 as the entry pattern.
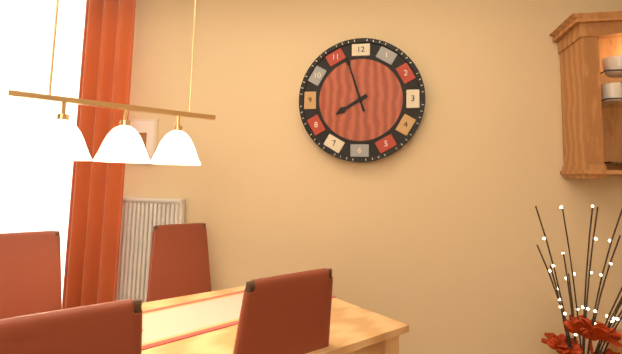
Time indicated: 7h57
